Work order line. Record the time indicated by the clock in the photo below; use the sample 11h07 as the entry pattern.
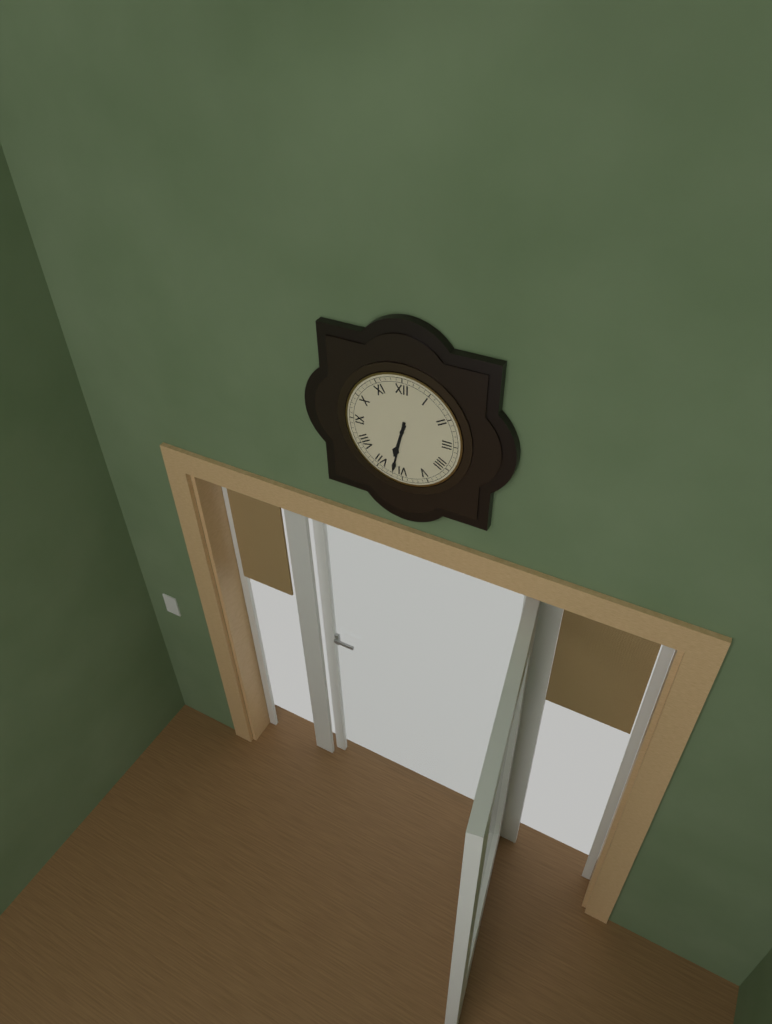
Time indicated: 6h32
